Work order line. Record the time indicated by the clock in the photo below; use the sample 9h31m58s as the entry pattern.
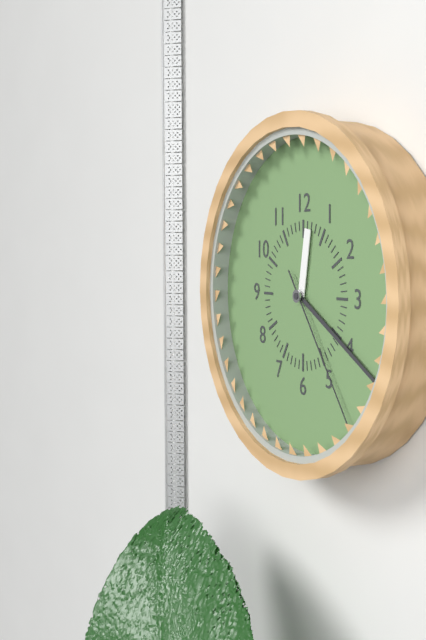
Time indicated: 12h20m24s
